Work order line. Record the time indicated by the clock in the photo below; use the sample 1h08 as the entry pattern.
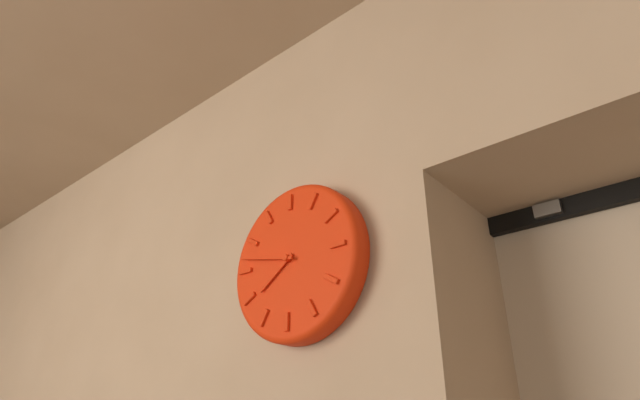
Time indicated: 7h47
